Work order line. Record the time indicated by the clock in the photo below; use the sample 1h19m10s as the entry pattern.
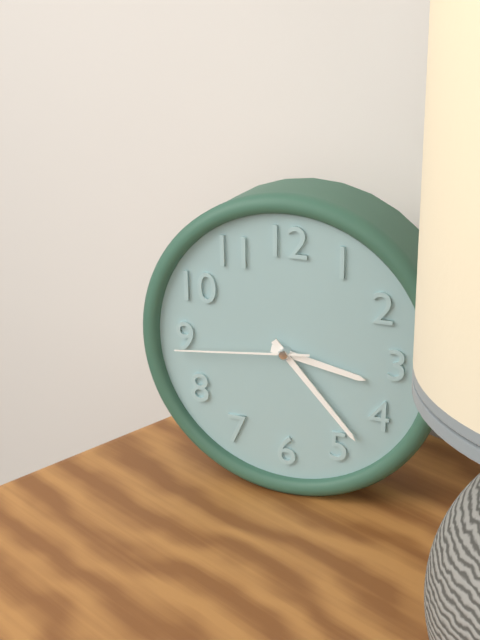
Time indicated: 3h23m44s
